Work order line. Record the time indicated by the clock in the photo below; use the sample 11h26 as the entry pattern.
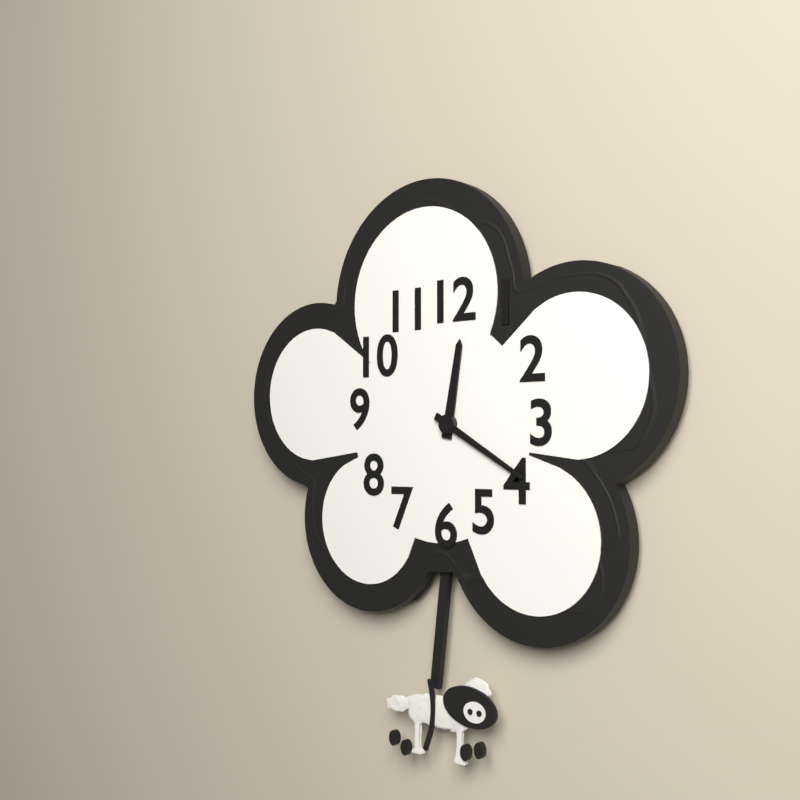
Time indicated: 12h20
